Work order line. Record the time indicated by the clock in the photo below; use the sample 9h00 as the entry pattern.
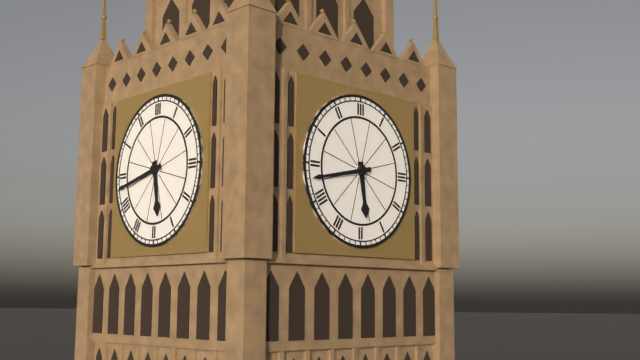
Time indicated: 5h43
